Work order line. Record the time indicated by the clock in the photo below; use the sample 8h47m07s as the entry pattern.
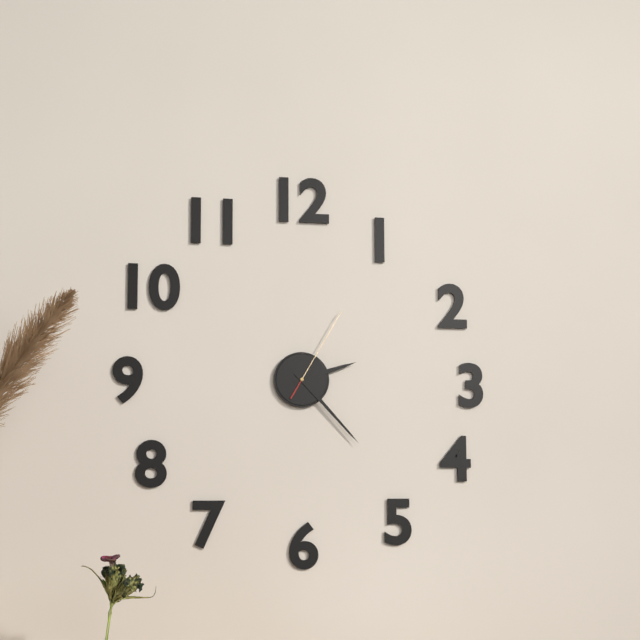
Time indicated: 2h23m05s
